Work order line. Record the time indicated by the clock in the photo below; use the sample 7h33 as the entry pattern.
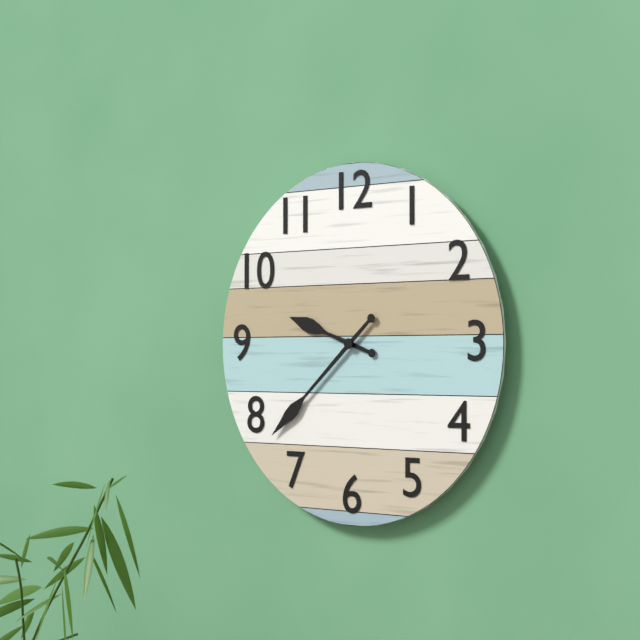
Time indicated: 9h38
